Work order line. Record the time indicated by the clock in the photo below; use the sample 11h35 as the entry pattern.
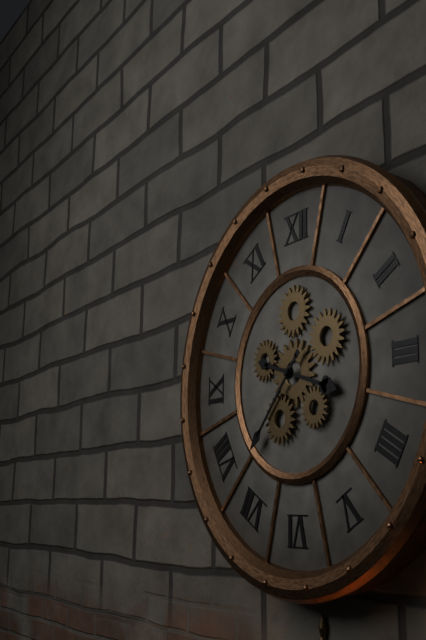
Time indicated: 3h37
